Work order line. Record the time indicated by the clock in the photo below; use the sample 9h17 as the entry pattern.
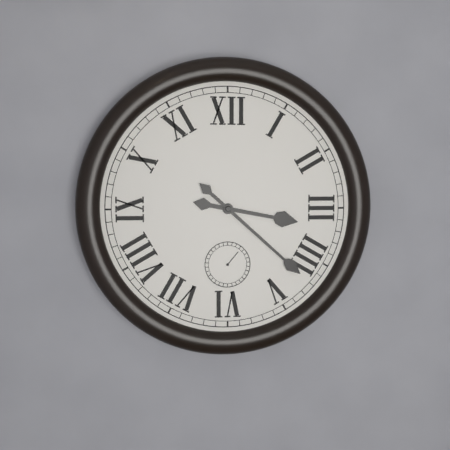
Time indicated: 3h22
